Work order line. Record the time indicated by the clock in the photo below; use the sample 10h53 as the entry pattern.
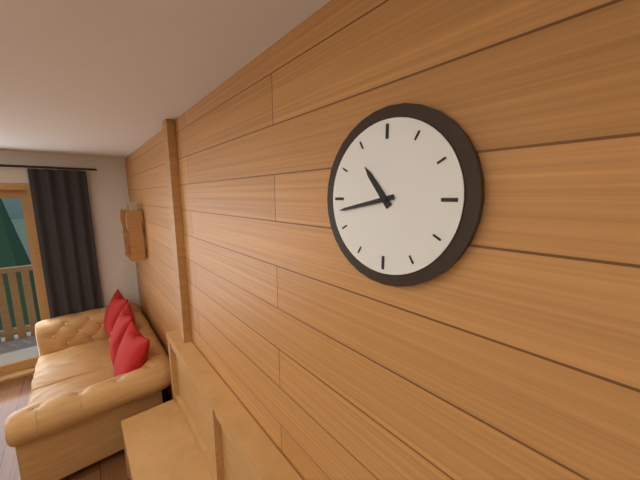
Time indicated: 10h43
